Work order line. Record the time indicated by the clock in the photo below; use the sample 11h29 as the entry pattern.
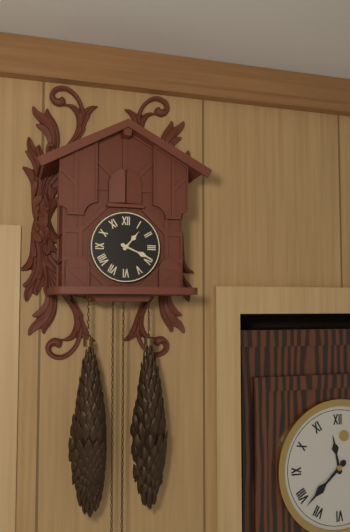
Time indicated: 1h19
